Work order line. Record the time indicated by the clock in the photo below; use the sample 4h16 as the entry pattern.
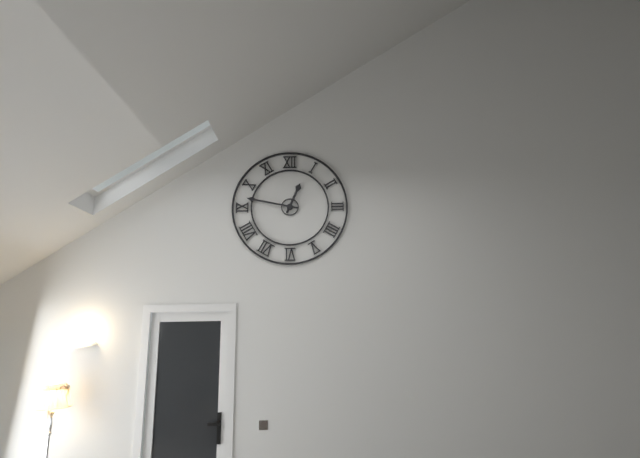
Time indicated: 12h47
